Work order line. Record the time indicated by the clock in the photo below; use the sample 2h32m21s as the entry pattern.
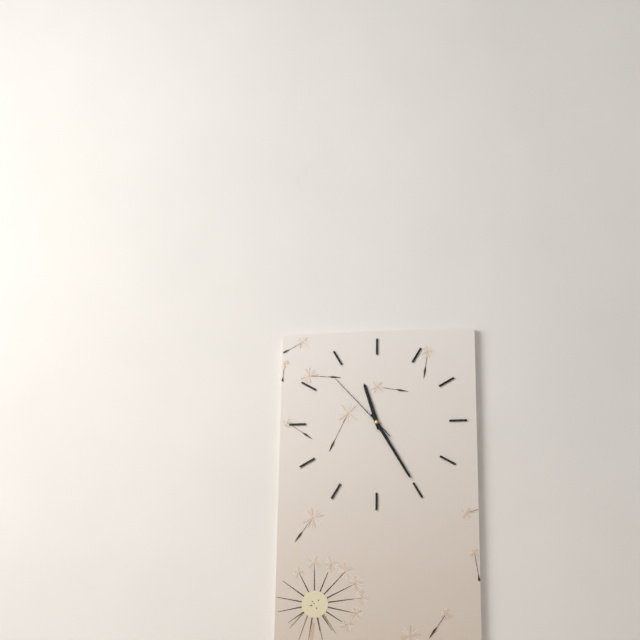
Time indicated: 11h25m53s
